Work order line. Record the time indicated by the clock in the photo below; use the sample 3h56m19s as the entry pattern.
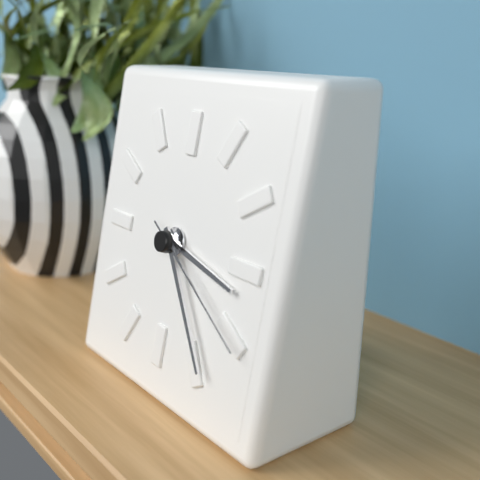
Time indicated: 3h24m20s
